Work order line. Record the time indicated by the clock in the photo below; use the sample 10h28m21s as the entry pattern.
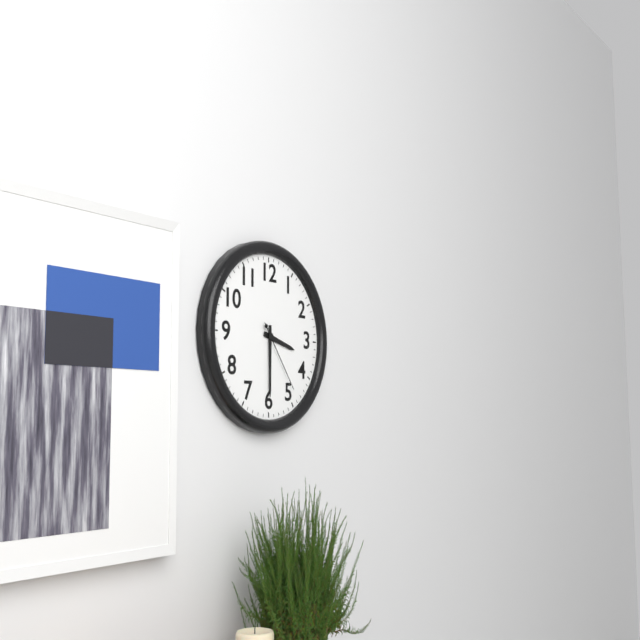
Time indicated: 3h30m24s
